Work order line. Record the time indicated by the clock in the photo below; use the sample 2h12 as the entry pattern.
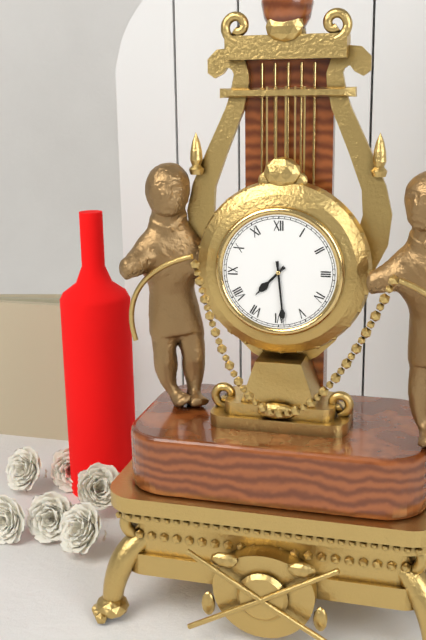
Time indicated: 7h29
